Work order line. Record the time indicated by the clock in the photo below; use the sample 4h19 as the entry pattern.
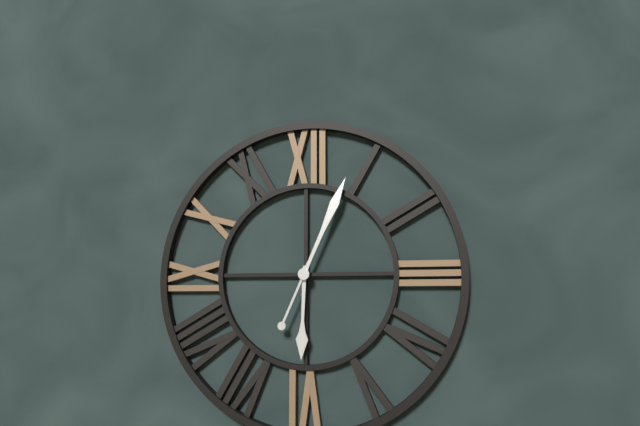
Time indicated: 6h04
